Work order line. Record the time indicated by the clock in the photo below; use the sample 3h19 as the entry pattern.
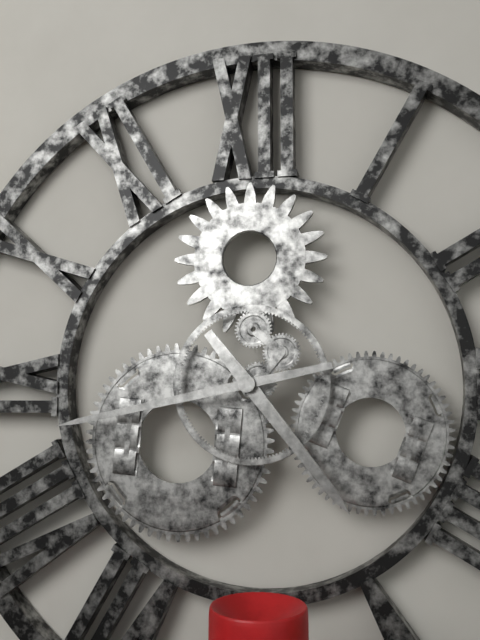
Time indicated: 4h43
